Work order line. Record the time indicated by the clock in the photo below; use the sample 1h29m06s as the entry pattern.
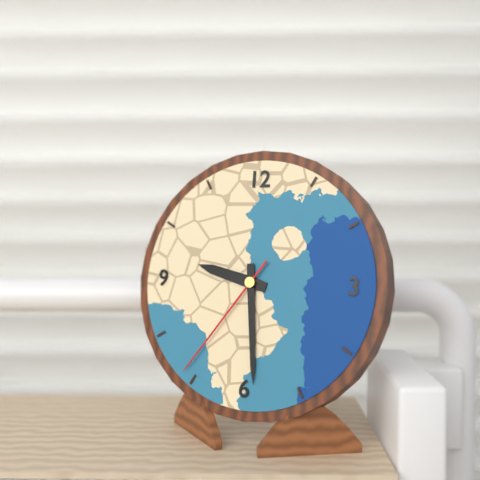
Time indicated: 9h29m36s
